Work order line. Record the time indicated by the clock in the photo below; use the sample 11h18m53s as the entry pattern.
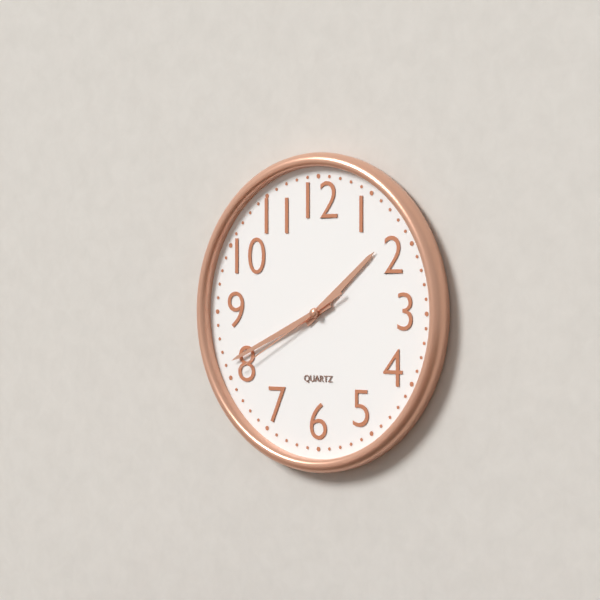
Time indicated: 1h41m40s
